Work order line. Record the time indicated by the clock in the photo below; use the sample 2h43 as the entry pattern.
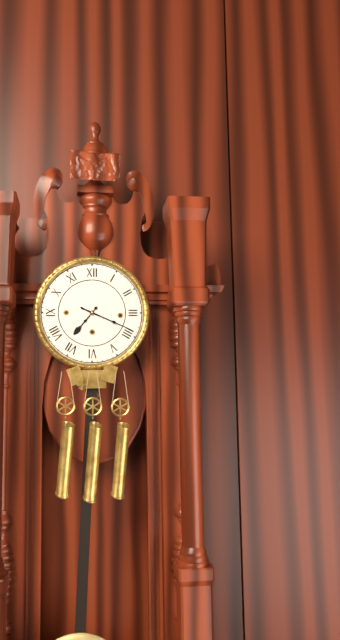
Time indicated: 7h19
